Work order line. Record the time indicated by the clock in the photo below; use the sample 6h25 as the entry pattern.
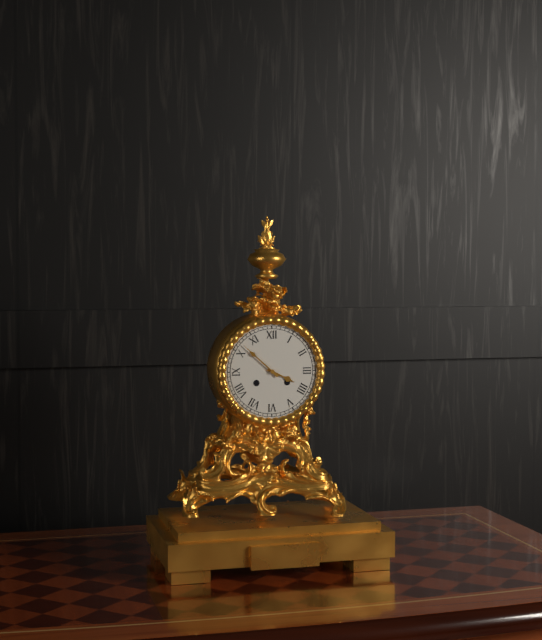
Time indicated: 3h52
